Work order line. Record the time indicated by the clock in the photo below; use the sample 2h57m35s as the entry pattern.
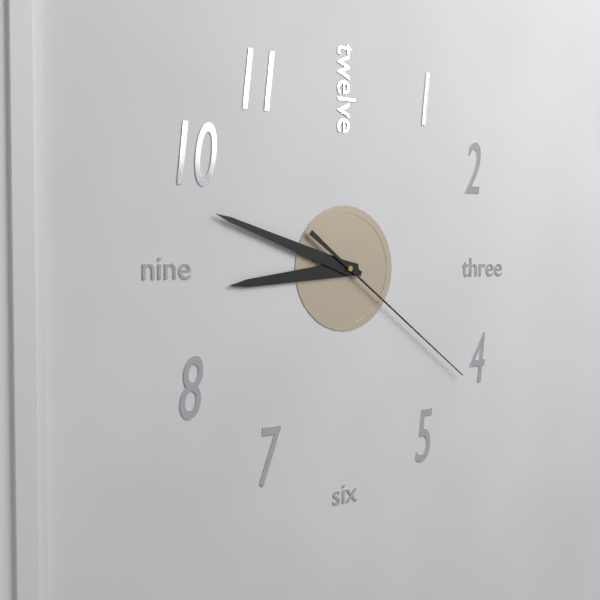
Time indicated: 8h48m21s
